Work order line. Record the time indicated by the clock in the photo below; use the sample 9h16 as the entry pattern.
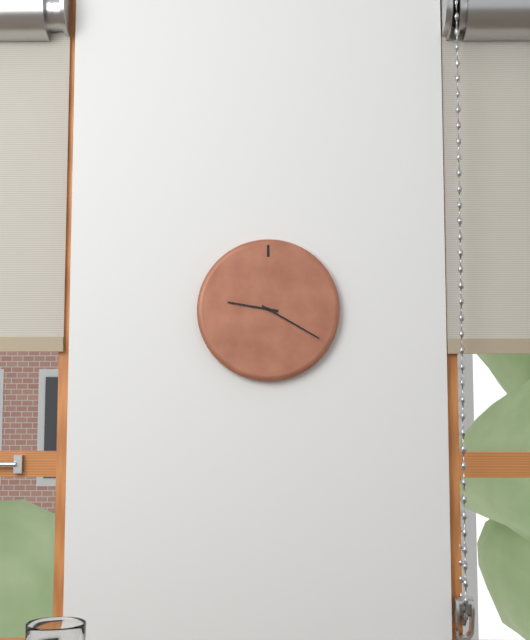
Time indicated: 9h20
